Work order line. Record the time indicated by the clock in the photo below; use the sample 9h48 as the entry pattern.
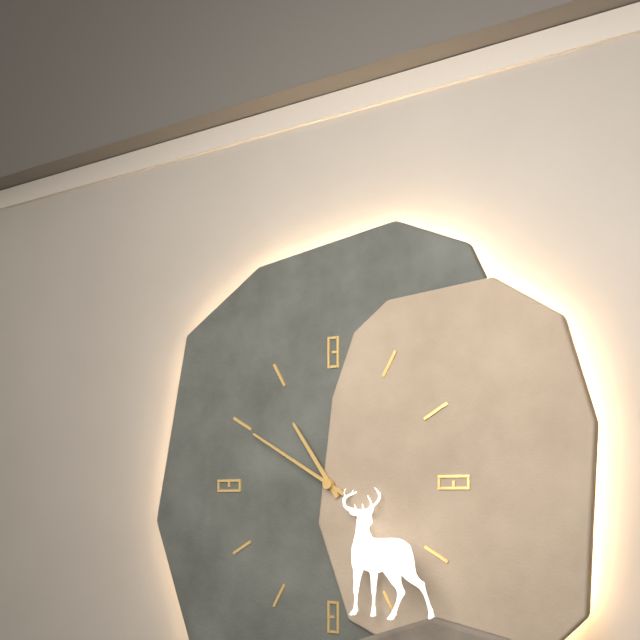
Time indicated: 10h50
